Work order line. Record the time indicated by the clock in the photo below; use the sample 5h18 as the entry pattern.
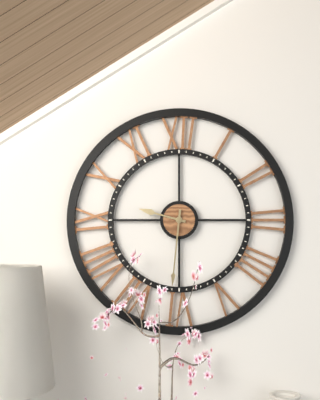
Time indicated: 9h31
